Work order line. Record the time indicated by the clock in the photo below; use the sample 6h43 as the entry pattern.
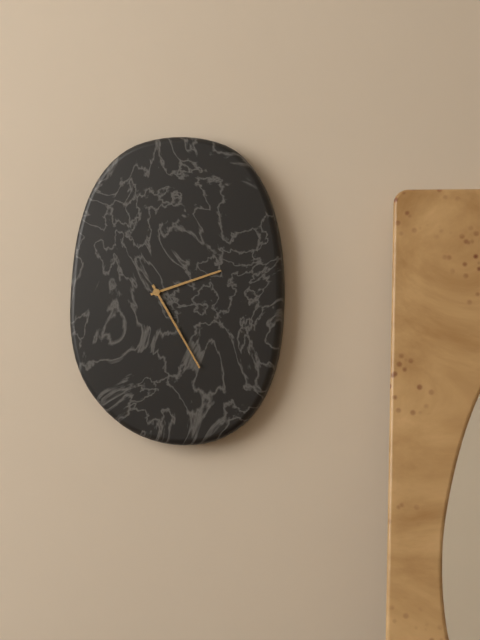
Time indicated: 2h25
